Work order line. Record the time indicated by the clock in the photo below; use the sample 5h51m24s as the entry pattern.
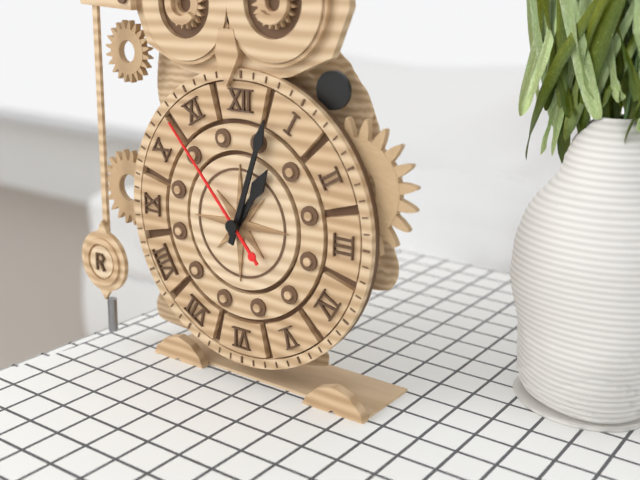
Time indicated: 1h03m53s
